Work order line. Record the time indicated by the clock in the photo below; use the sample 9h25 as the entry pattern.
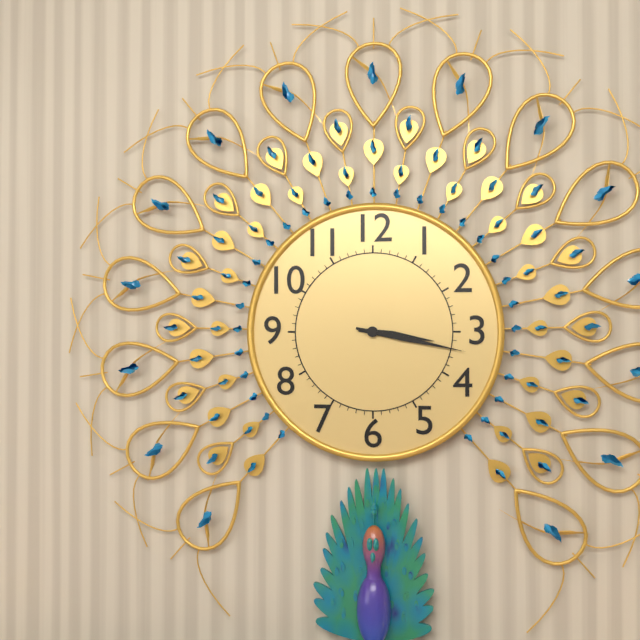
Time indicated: 3h17
